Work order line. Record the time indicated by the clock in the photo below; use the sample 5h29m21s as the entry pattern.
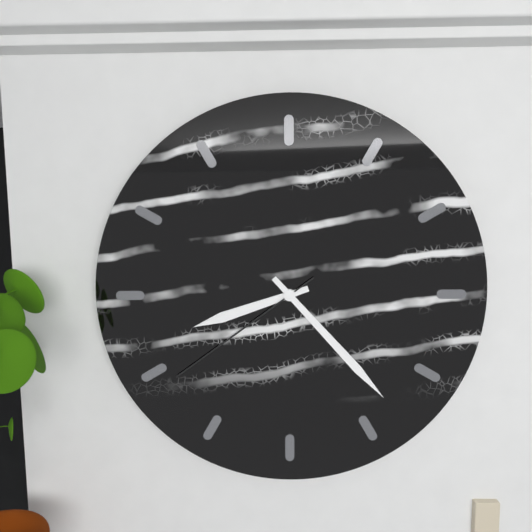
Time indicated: 8h23m39s
